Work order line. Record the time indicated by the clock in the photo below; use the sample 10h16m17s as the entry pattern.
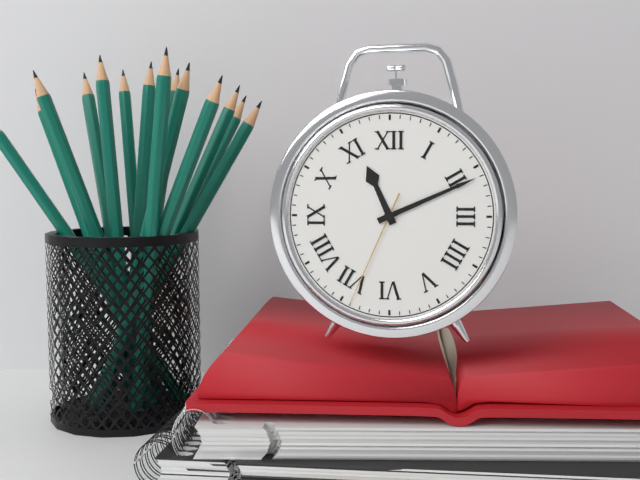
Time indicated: 11h11m34s
